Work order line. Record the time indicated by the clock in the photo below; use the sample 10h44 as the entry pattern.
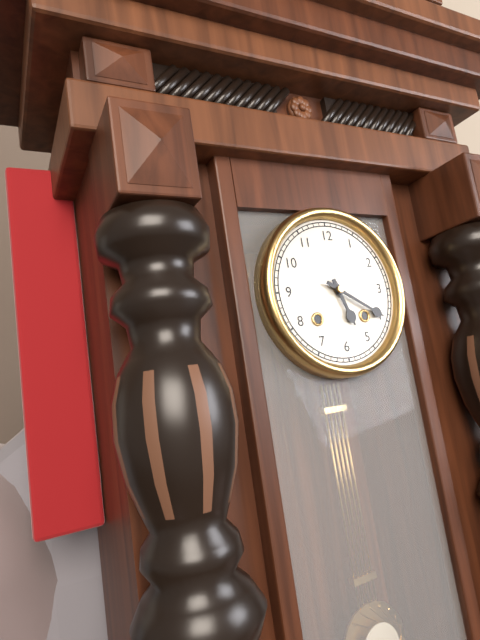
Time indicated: 5h20
